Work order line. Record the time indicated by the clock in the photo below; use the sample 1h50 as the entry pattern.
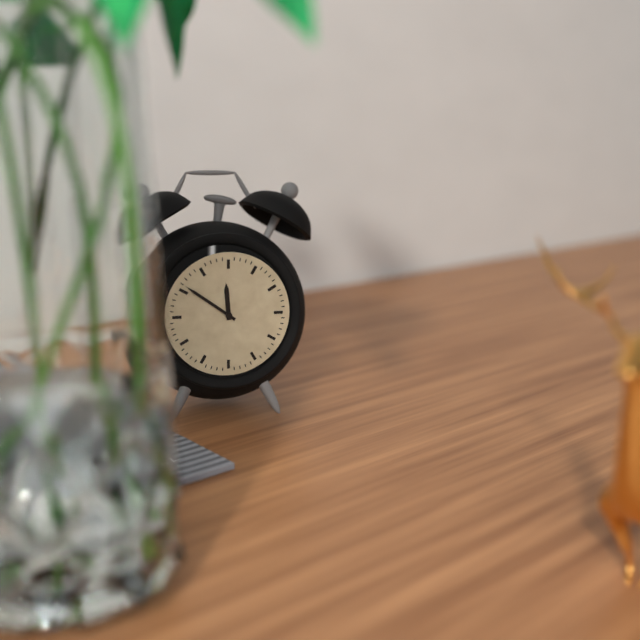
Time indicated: 11h51
